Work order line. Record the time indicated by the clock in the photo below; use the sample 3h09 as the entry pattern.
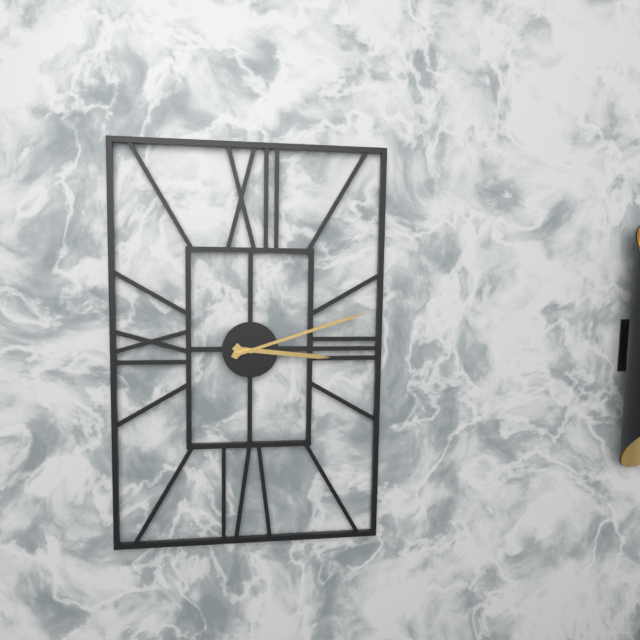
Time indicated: 3h12
